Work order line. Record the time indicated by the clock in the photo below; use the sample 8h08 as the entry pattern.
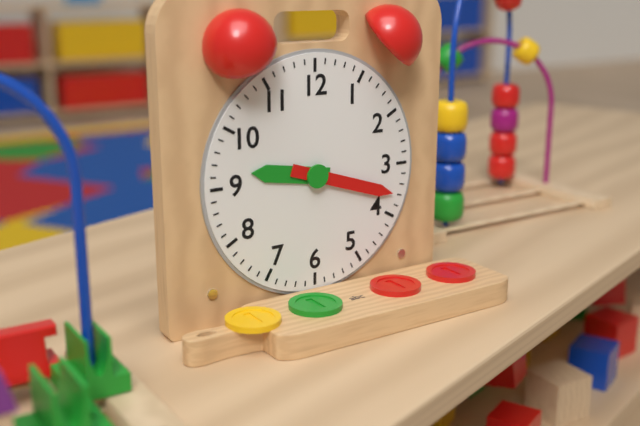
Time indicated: 9h18
